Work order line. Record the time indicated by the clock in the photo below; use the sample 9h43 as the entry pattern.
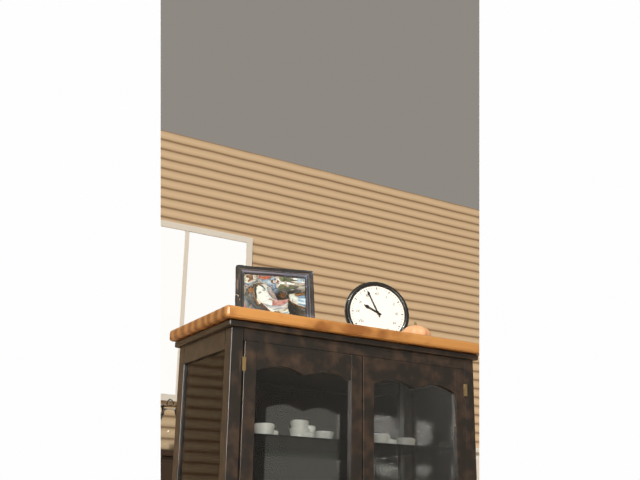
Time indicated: 9h56
